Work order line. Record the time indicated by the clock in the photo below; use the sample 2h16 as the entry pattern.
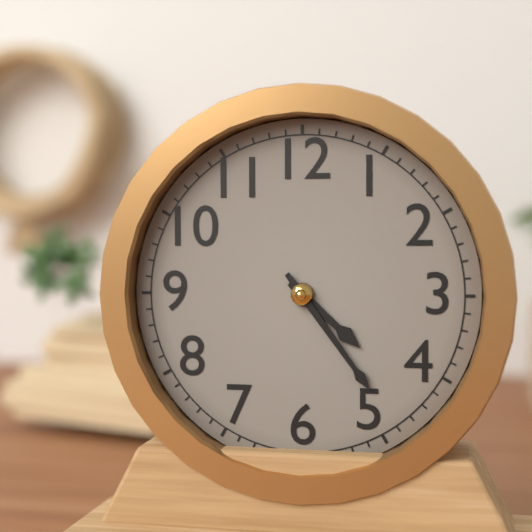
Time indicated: 4h24
